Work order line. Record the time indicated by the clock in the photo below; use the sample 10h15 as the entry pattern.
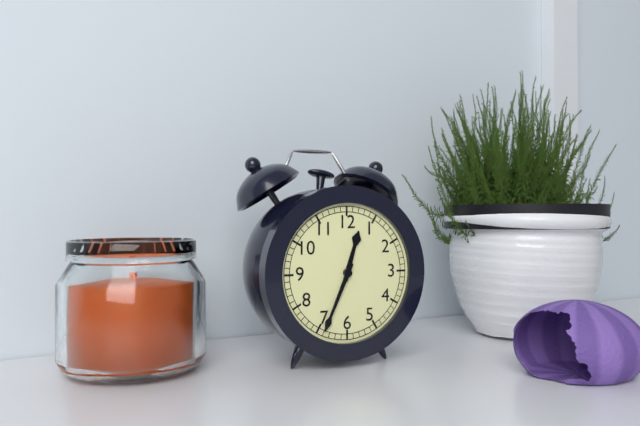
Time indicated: 12h34
